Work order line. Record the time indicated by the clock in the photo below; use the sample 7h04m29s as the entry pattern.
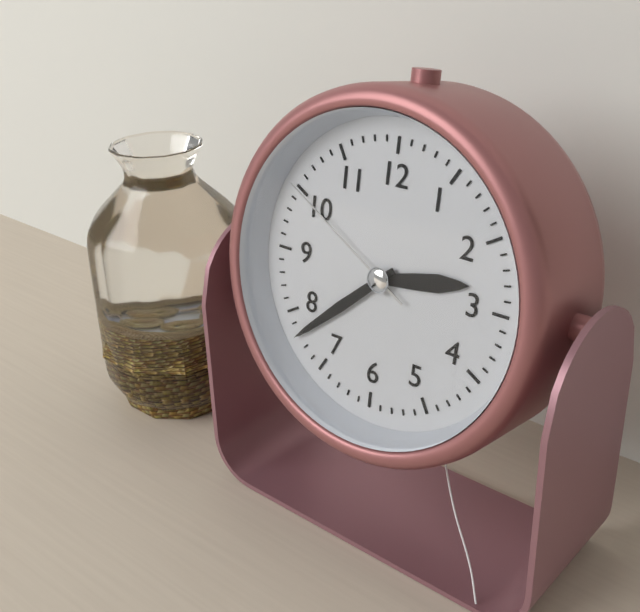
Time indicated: 2h38m50s
